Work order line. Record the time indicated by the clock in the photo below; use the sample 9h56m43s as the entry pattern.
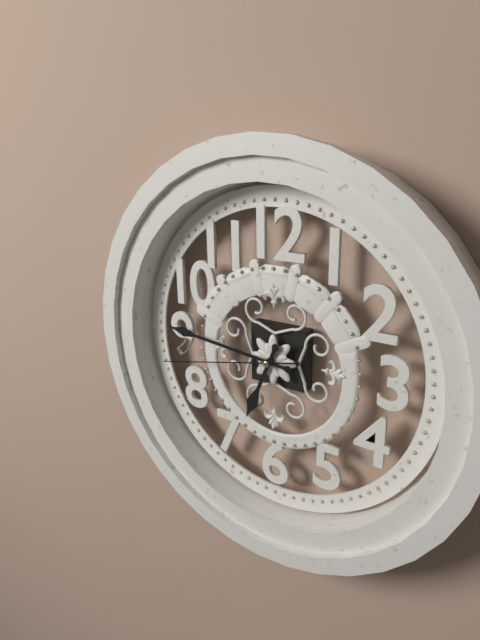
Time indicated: 6h46m43s
